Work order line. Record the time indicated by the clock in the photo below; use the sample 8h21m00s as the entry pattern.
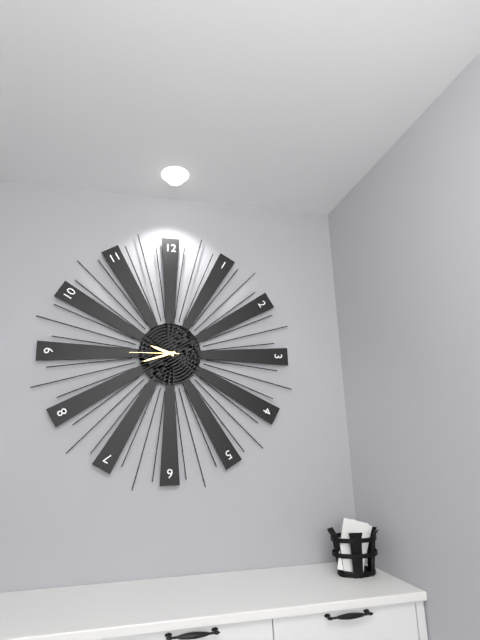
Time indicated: 9h42m45s
